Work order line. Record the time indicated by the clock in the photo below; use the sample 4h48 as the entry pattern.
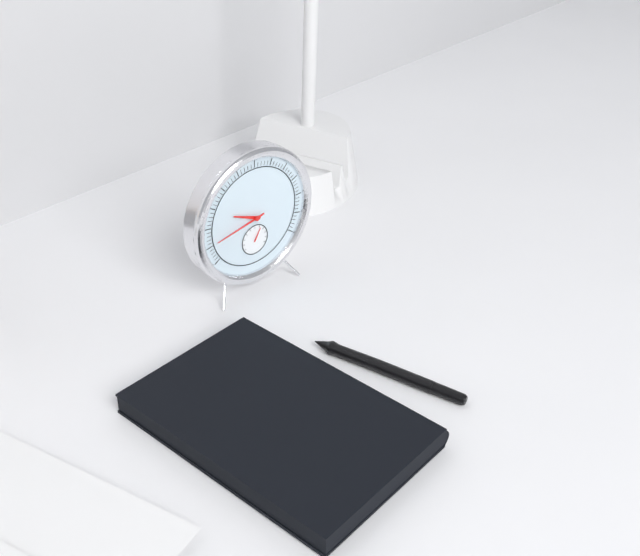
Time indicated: 9h43
